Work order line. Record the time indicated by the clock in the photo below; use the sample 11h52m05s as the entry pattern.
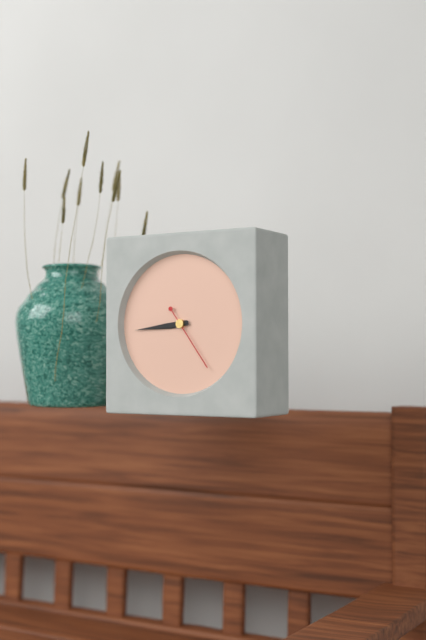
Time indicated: 8h44m24s
